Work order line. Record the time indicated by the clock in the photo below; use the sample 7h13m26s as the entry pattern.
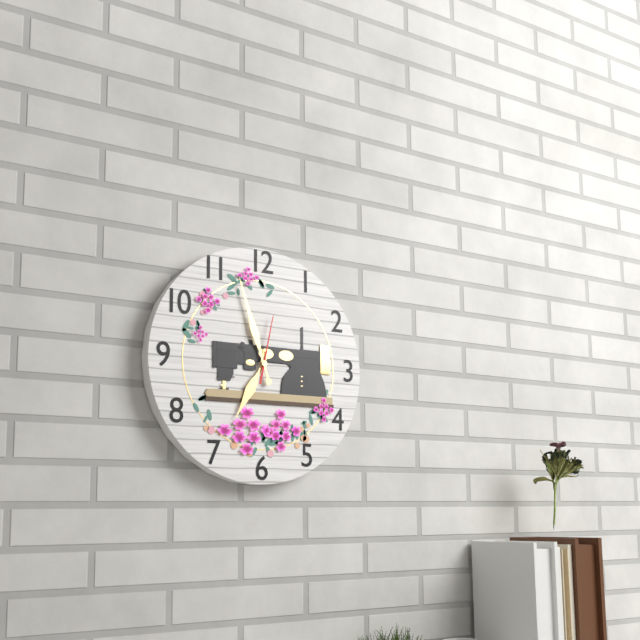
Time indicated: 6h57m02s
